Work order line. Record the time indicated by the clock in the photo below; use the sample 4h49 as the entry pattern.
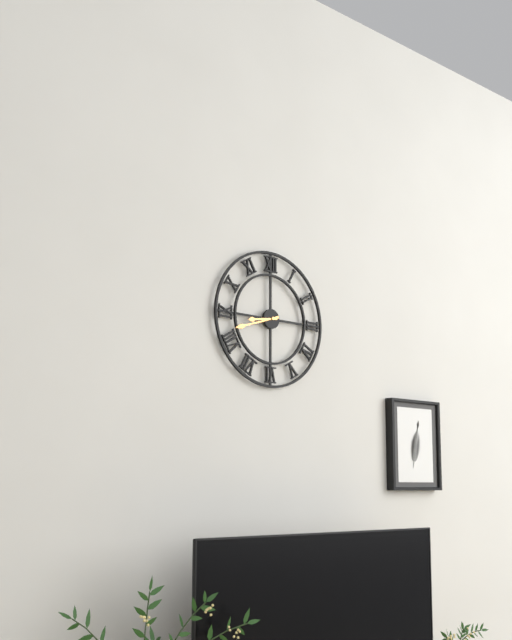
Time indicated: 8h42
